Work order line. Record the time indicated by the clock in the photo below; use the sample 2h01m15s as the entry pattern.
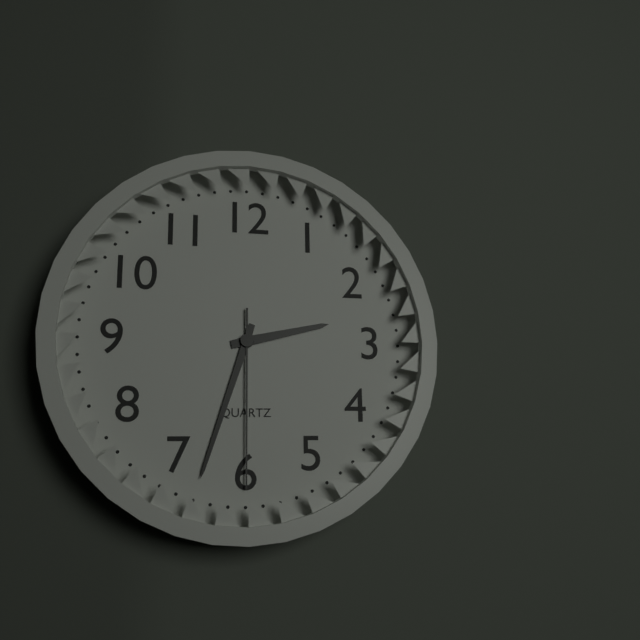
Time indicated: 2h33m30s
